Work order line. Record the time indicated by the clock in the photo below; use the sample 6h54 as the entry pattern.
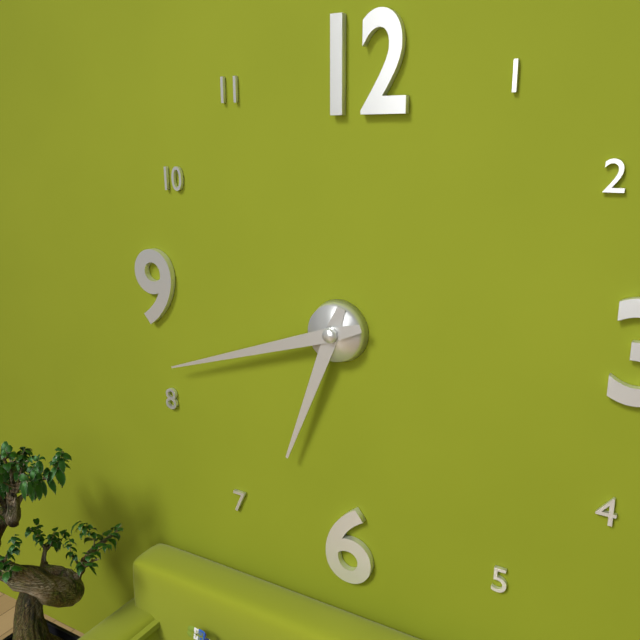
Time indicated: 6h42
